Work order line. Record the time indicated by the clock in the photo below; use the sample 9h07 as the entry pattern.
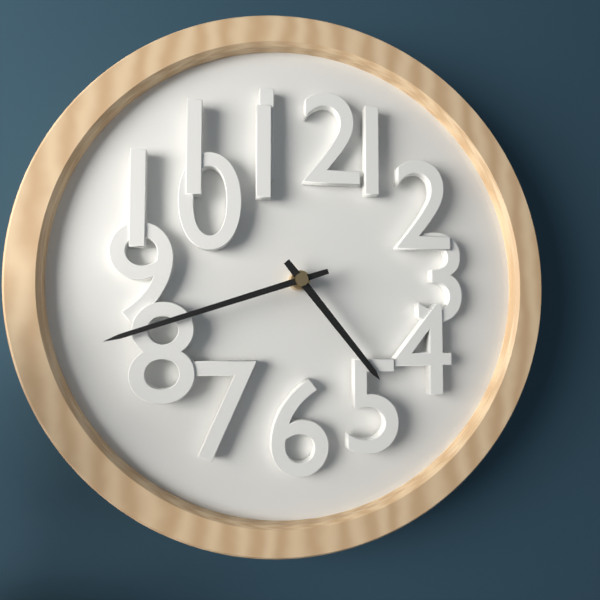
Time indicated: 4h42
